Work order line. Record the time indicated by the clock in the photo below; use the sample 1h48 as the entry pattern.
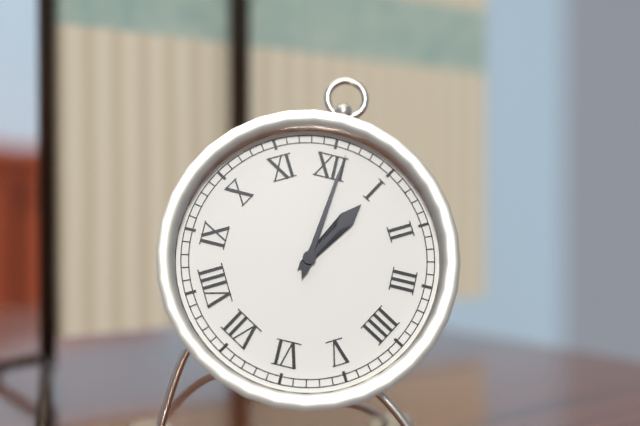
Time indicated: 1h01
